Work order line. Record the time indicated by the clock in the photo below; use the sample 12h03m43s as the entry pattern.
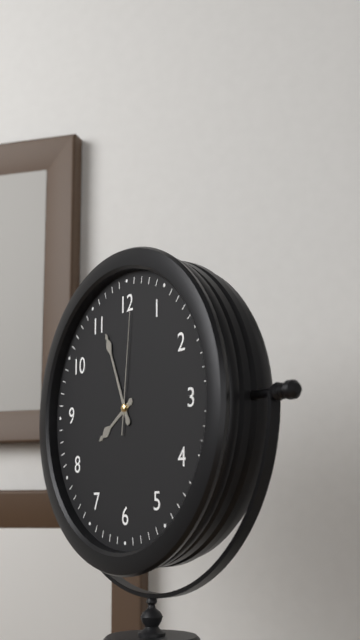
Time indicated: 7h56m01s
